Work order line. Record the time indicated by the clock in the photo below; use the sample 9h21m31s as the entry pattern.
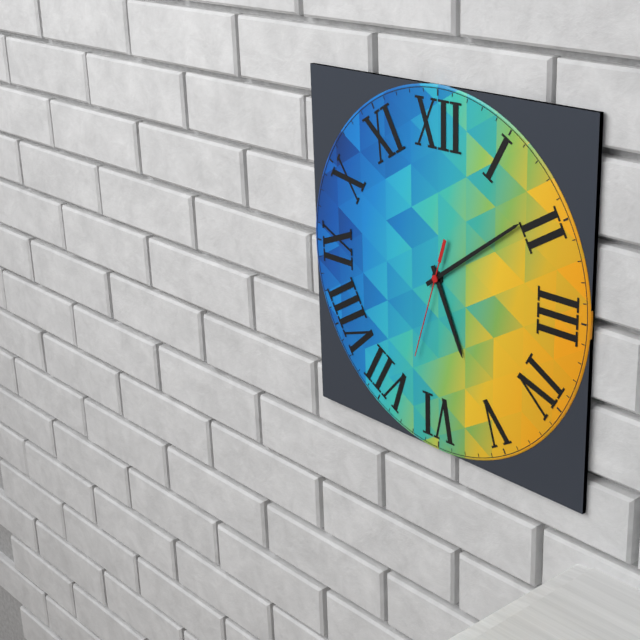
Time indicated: 5h09m33s
